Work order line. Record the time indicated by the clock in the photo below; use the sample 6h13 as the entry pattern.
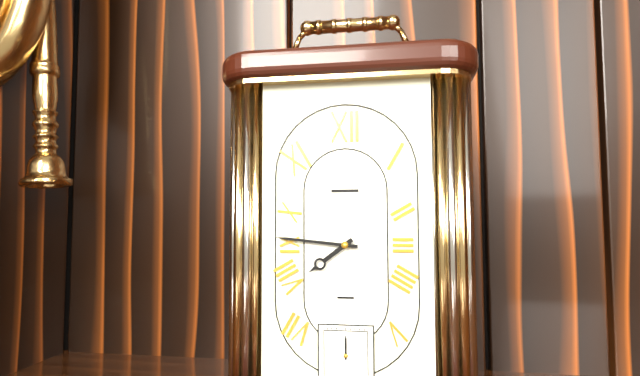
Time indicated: 7h46
